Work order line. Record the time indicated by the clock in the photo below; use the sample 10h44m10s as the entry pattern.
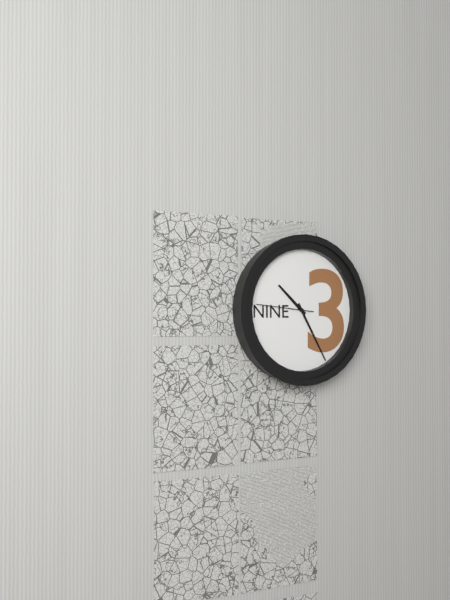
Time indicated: 10h25m46s
